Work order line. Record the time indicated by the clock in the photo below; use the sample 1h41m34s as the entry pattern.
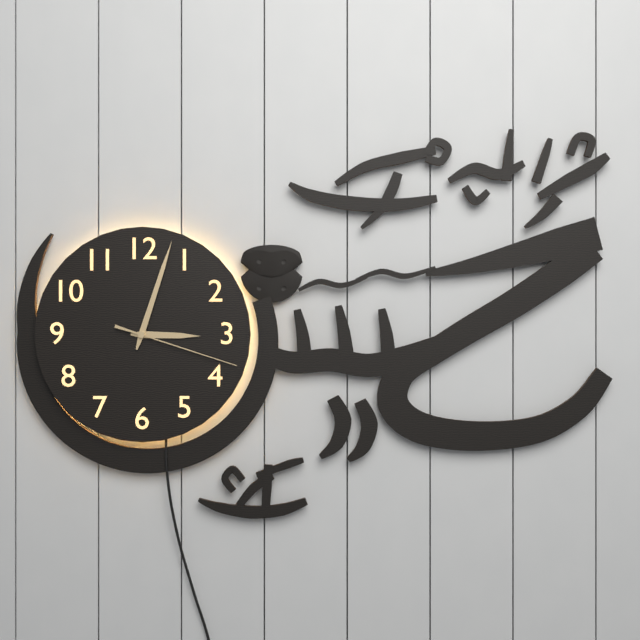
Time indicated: 3h03m18s
